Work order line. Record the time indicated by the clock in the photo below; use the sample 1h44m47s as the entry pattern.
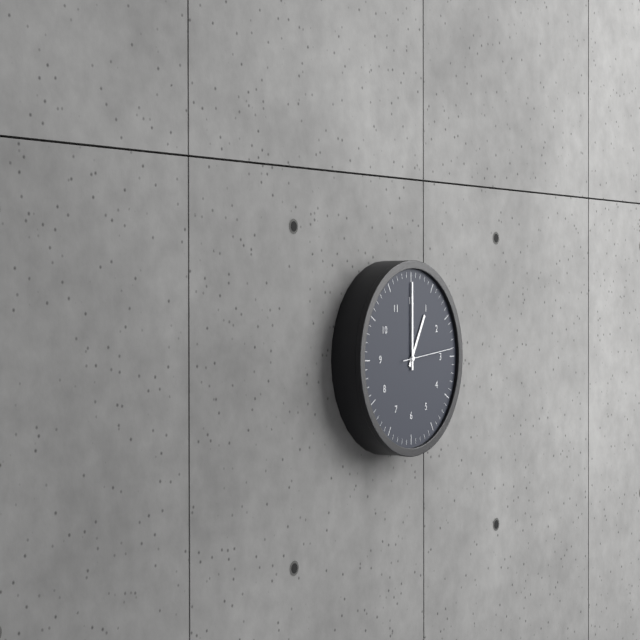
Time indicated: 1h00m14s
